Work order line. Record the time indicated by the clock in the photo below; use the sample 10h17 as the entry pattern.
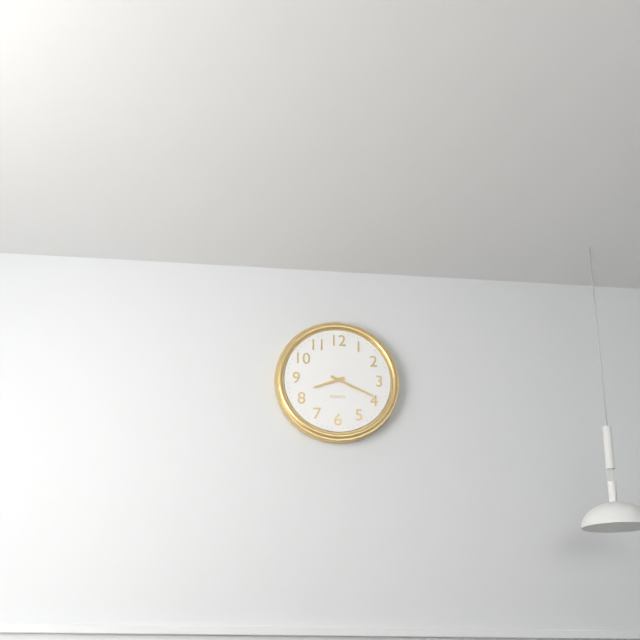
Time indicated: 8h19
